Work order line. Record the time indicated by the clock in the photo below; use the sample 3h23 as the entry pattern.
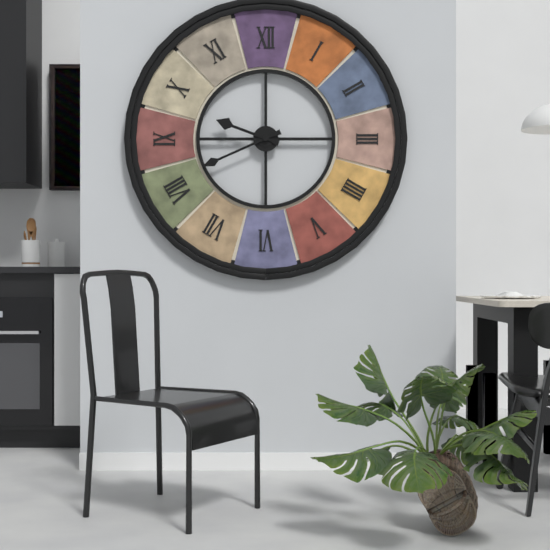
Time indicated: 9h41
